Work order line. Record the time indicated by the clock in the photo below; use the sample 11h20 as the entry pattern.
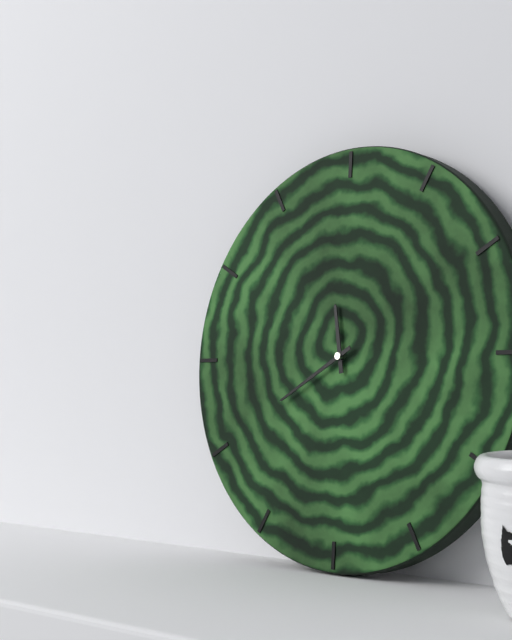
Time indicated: 11h40
